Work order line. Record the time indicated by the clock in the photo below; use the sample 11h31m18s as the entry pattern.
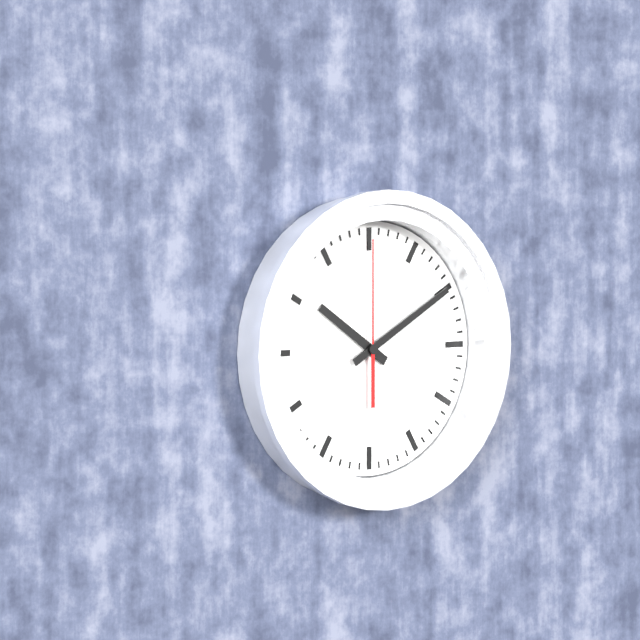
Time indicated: 10h10m00s
